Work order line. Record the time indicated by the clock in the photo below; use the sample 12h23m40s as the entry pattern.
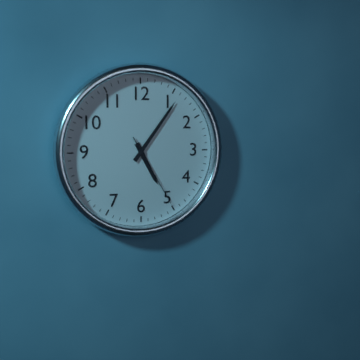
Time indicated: 5h06m25s
